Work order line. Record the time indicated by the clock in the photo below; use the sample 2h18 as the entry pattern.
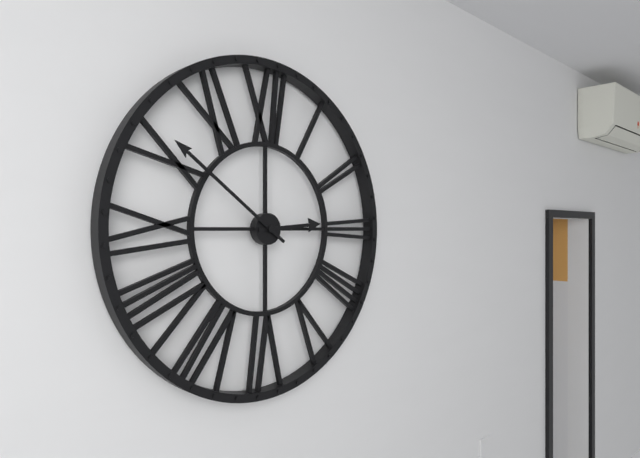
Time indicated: 2h51
